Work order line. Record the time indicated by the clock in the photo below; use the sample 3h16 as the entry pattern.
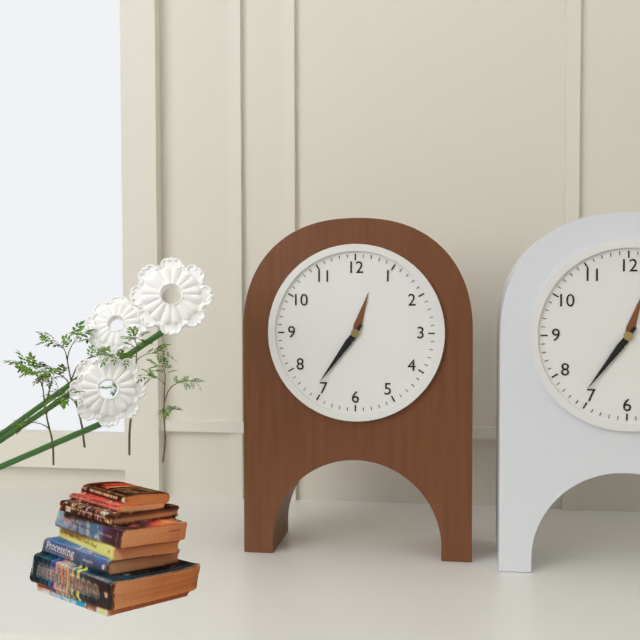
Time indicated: 12h36
